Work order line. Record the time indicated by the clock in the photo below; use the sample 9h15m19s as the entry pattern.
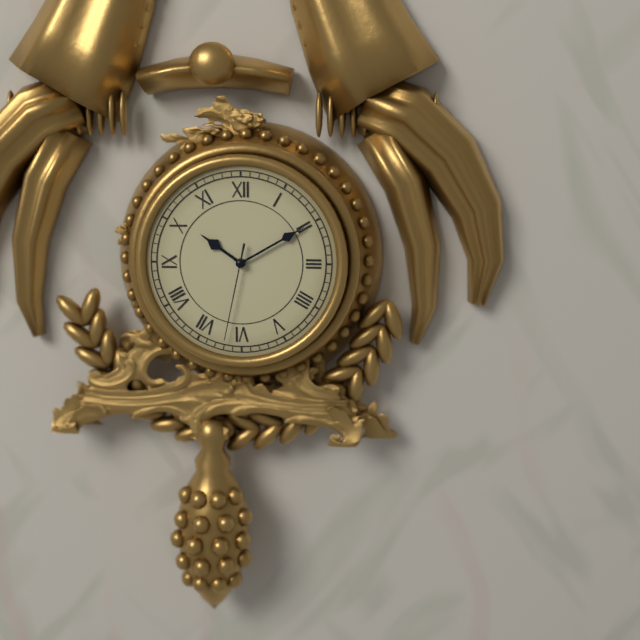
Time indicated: 10h10m32s
